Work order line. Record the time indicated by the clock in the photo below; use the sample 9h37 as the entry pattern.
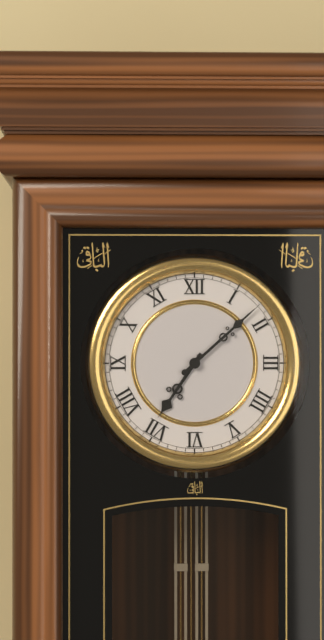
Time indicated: 7h08
